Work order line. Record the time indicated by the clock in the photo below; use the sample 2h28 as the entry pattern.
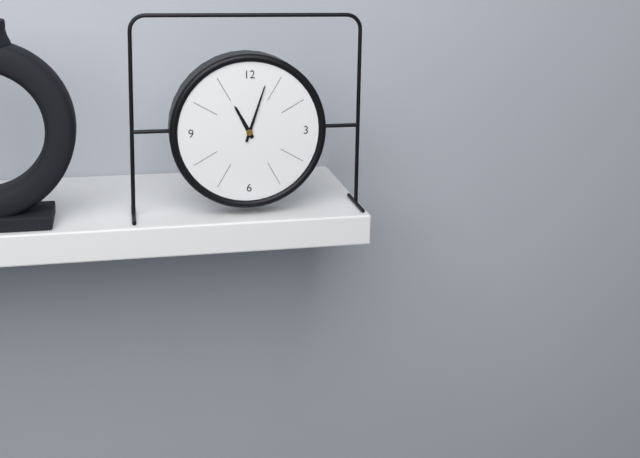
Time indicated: 11h03
